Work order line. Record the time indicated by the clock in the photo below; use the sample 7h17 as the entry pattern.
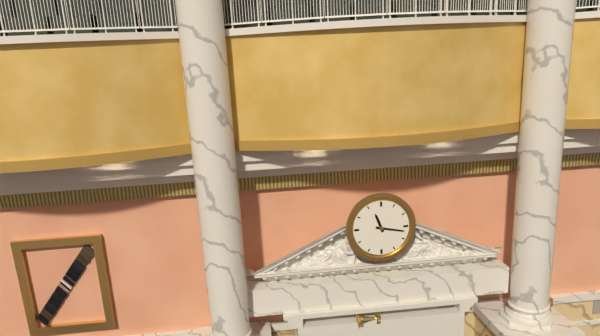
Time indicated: 11h17
